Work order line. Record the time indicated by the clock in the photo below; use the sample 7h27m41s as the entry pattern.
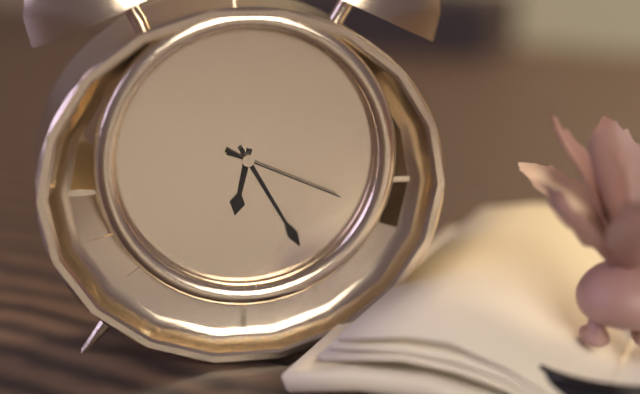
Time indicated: 6h25m19s
